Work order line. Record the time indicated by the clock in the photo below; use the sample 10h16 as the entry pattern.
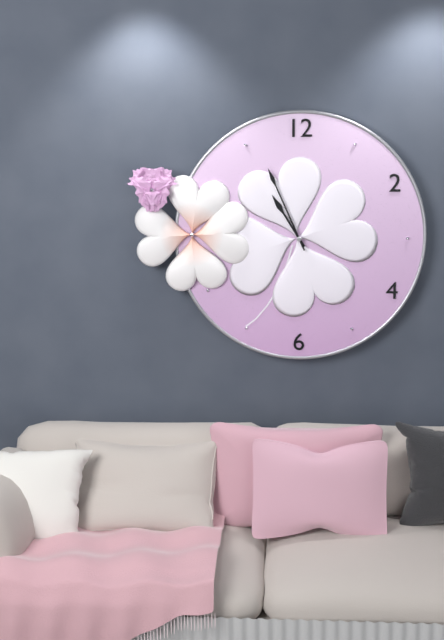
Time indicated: 10h56
